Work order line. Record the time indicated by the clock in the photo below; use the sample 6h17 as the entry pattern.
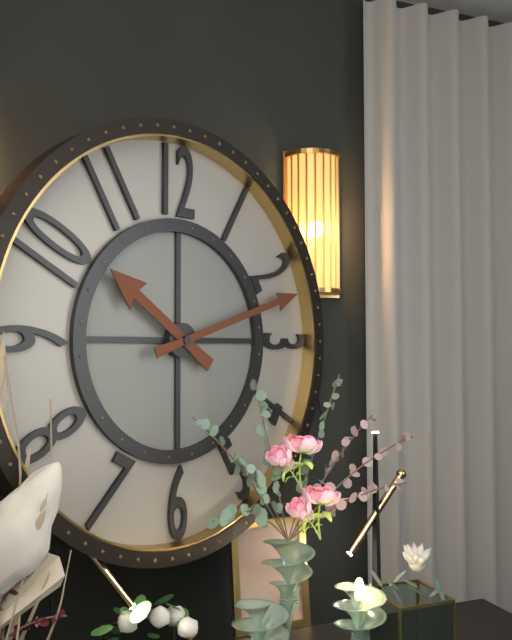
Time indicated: 10h12
